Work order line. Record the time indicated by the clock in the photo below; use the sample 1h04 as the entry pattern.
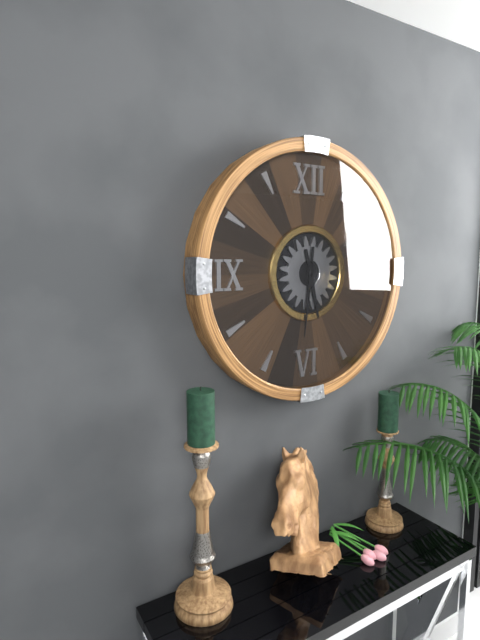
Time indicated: 5h31
